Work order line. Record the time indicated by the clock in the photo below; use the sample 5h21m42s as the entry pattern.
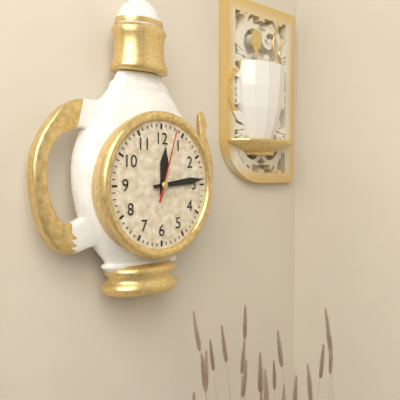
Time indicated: 12h14m03s
